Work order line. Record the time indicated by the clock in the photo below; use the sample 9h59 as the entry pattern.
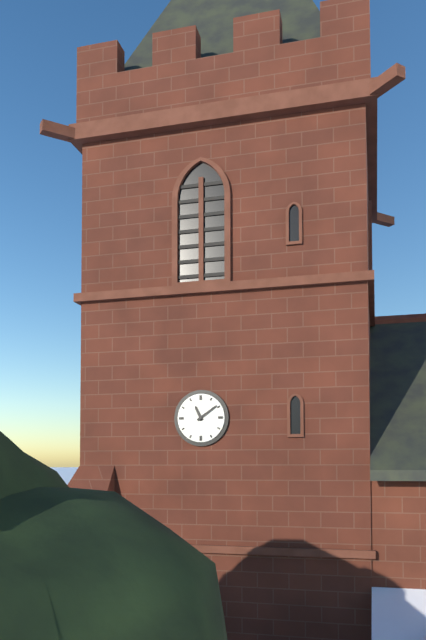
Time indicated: 11h09
